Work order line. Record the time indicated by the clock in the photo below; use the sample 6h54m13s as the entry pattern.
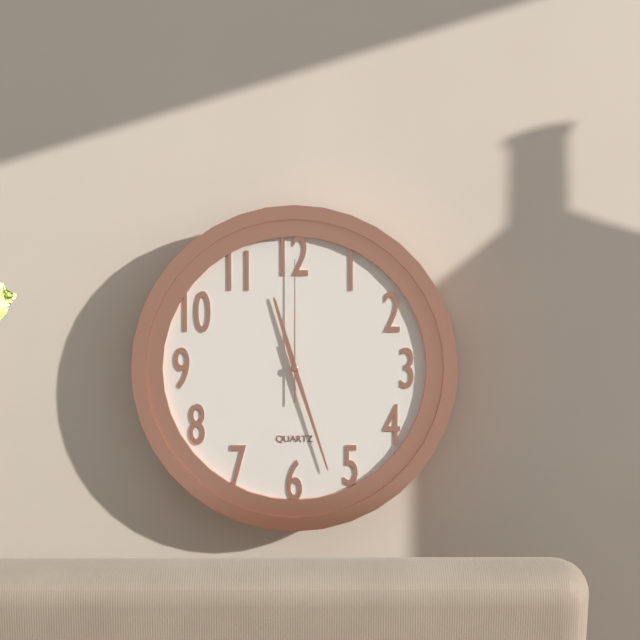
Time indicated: 11h27m00s
